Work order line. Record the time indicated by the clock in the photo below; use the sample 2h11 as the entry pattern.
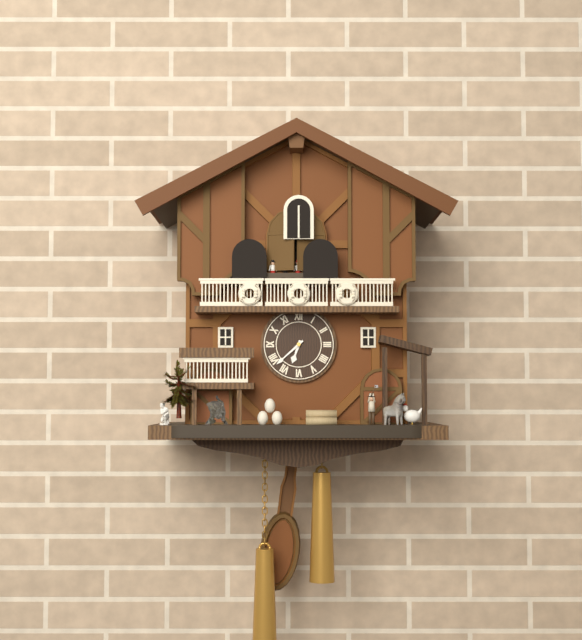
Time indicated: 6h38
